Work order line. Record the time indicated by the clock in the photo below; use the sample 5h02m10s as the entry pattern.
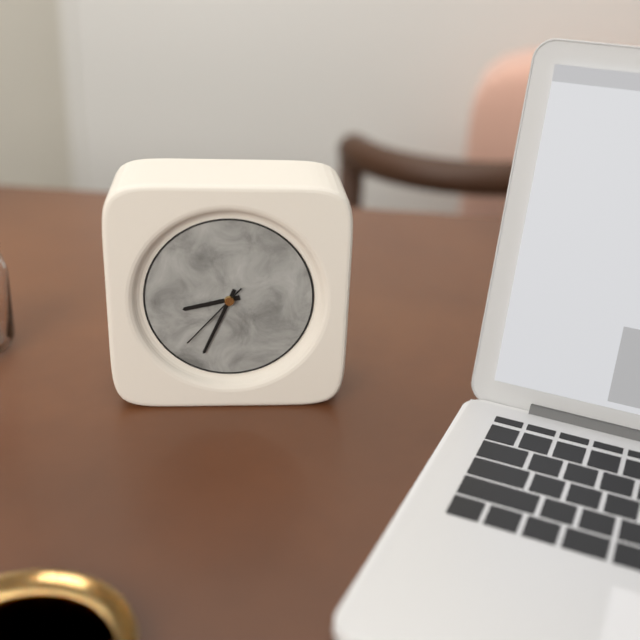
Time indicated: 8h34m37s
